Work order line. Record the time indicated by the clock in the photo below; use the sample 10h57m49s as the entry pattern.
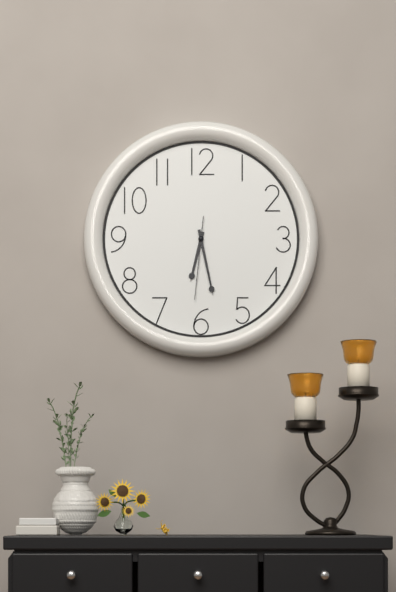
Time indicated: 6h28m31s
